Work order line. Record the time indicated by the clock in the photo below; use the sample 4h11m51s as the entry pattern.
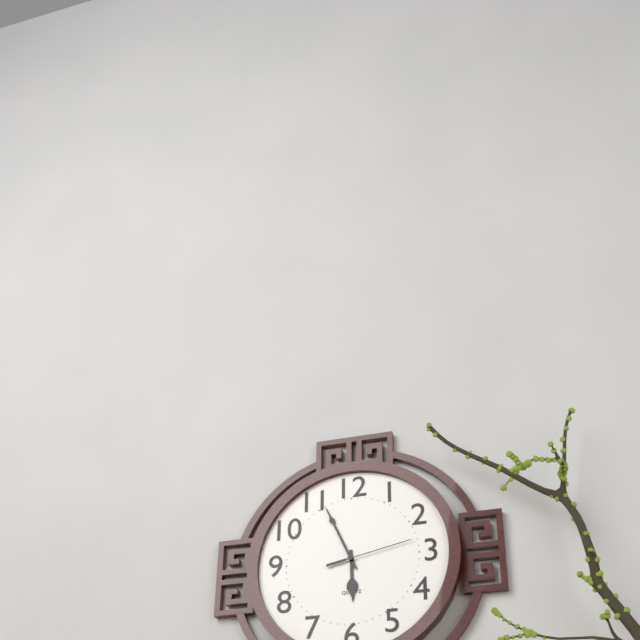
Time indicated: 5h56m13s
